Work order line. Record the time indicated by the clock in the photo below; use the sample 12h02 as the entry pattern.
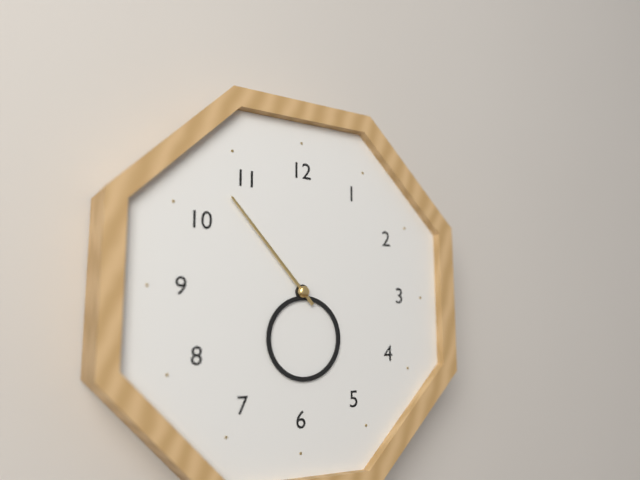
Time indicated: 5h53
